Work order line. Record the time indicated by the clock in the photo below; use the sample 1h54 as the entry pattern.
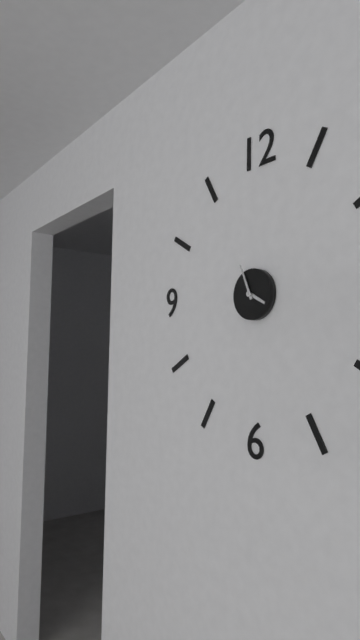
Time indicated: 3h56
